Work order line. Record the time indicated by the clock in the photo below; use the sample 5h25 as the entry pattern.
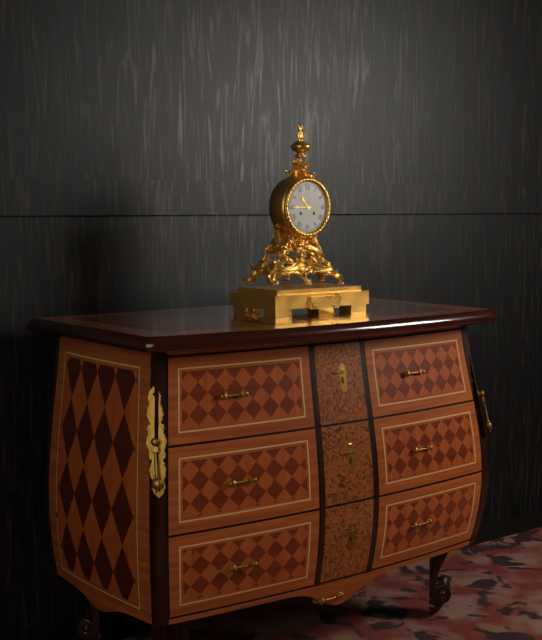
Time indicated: 10h45
